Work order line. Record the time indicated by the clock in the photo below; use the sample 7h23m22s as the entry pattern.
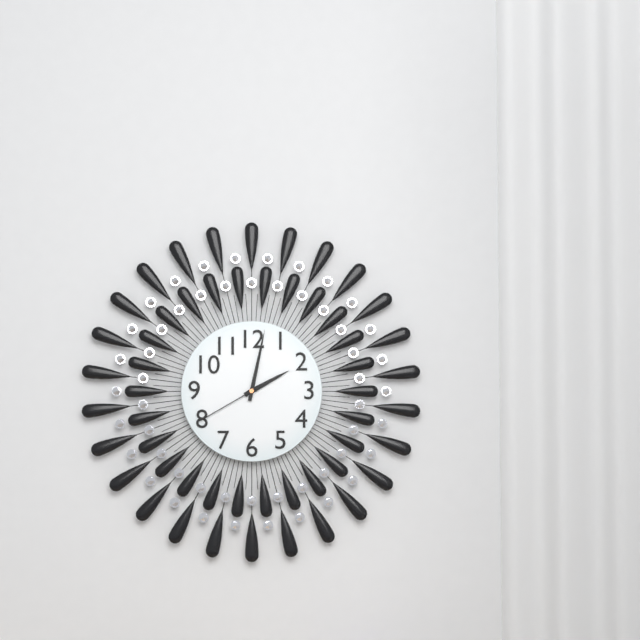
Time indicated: 2h02m40s
